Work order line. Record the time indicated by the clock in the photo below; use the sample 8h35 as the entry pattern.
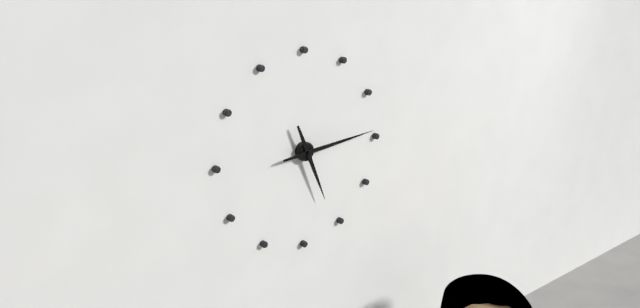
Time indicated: 5h14
